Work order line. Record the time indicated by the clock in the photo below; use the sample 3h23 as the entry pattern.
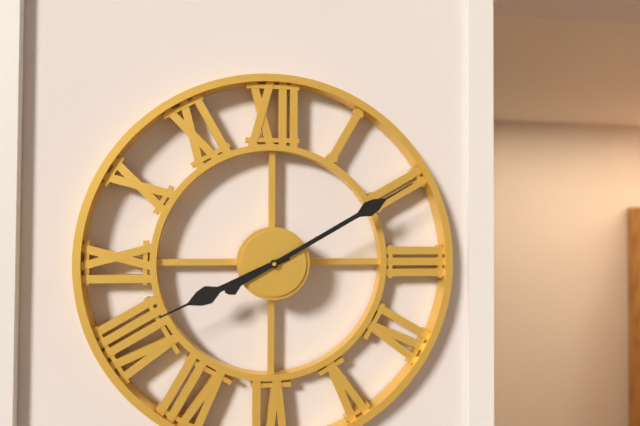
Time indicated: 8h10
